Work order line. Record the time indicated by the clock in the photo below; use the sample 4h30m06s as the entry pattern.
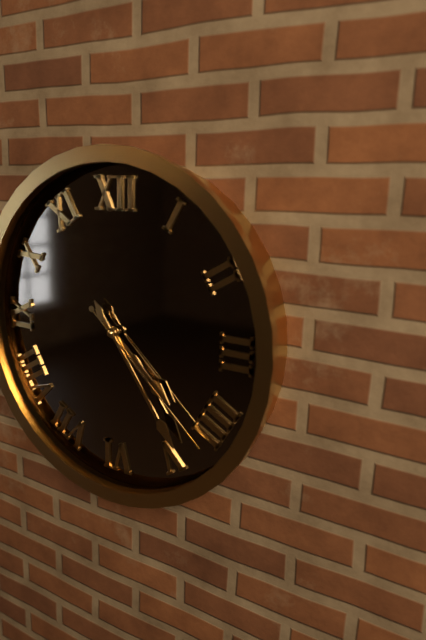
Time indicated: 4h24m22s
